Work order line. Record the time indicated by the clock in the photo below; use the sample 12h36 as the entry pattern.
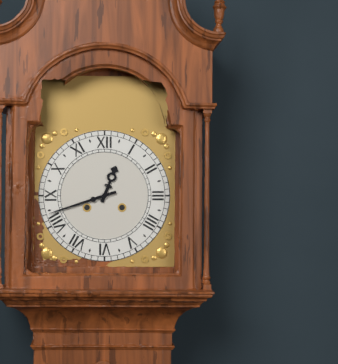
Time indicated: 12h42
